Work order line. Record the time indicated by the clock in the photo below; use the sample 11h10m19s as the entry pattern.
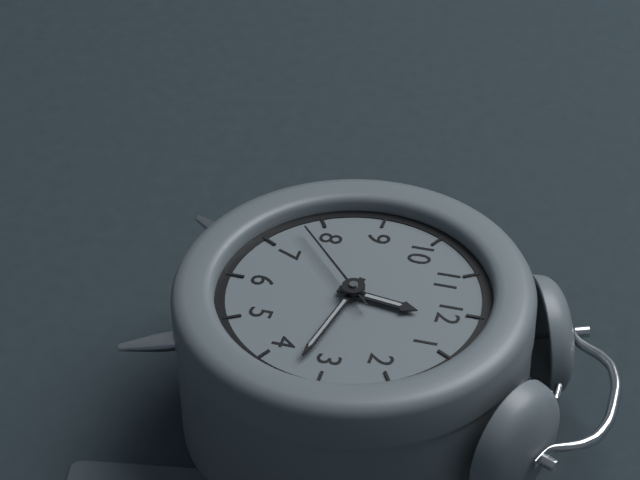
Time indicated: 12h17m38s
